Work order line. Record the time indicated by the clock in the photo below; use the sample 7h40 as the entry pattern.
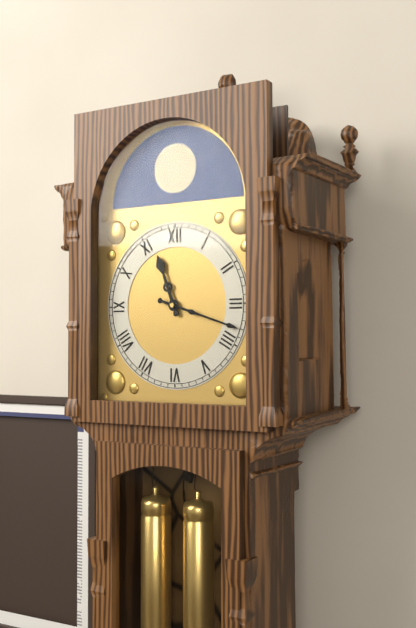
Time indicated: 11h18
